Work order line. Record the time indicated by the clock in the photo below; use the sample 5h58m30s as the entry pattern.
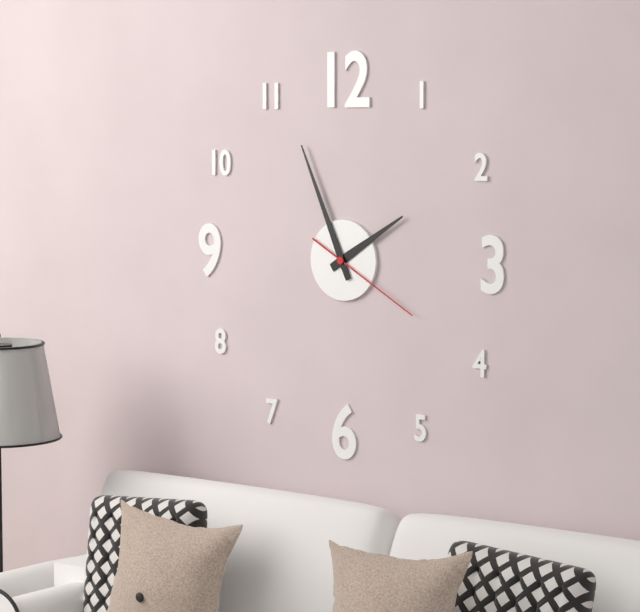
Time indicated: 1h56m20s
